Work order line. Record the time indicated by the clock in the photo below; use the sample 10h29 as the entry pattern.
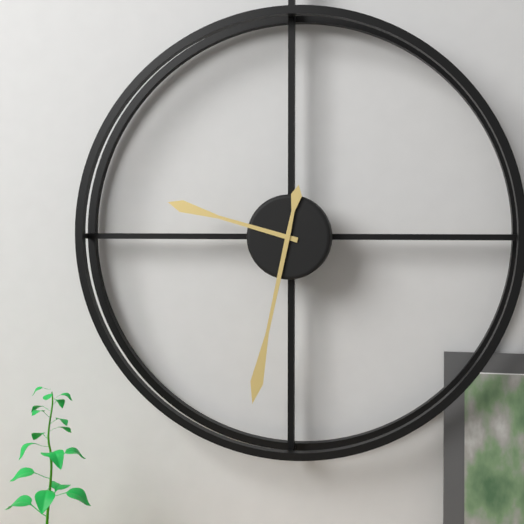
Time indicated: 9h32
